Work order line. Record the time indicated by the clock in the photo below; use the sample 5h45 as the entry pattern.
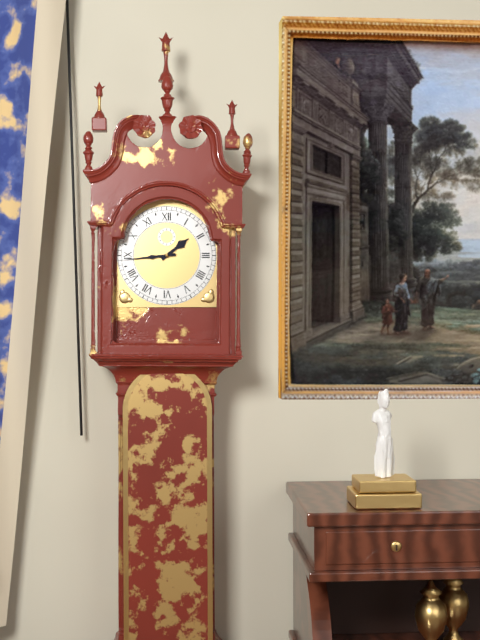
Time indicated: 1h44
